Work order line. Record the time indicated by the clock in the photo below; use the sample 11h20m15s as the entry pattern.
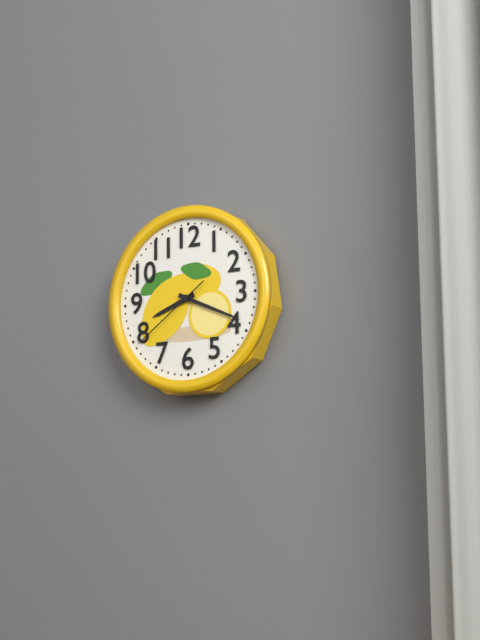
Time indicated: 8h19m39s
